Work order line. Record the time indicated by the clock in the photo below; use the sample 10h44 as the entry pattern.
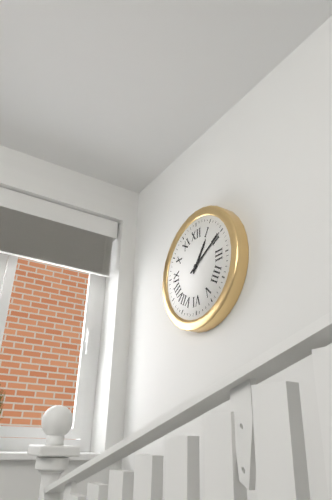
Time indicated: 1h10
